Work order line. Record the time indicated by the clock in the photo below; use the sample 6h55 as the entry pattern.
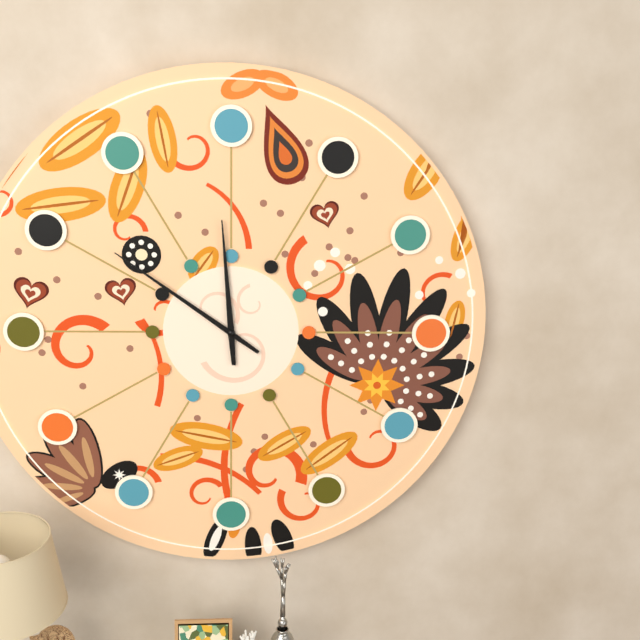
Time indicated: 11h51
